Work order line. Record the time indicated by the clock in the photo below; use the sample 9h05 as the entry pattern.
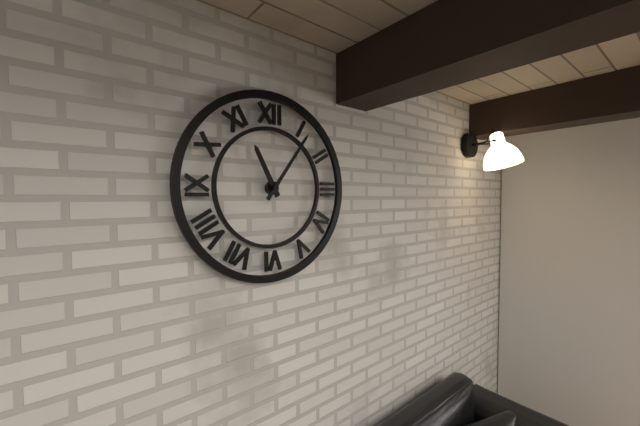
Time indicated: 11h06
